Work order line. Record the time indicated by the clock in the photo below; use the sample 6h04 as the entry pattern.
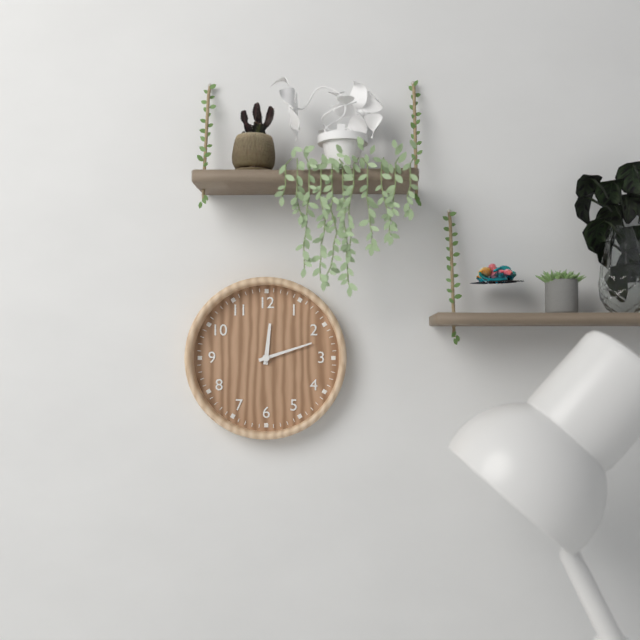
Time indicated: 12h12
